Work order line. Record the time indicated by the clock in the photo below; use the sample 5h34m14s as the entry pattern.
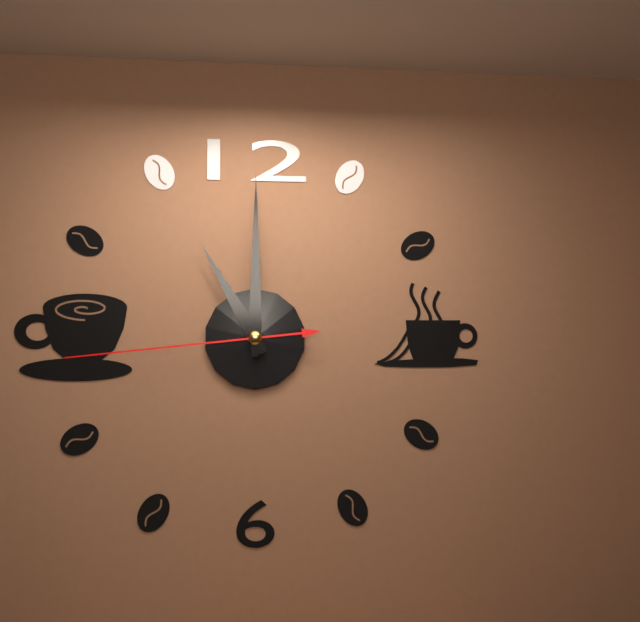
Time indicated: 11h00m44s
